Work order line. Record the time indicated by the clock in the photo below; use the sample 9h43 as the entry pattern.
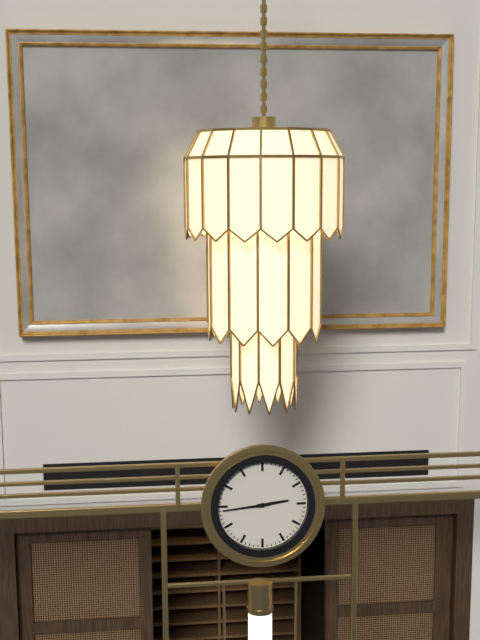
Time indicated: 2h44
